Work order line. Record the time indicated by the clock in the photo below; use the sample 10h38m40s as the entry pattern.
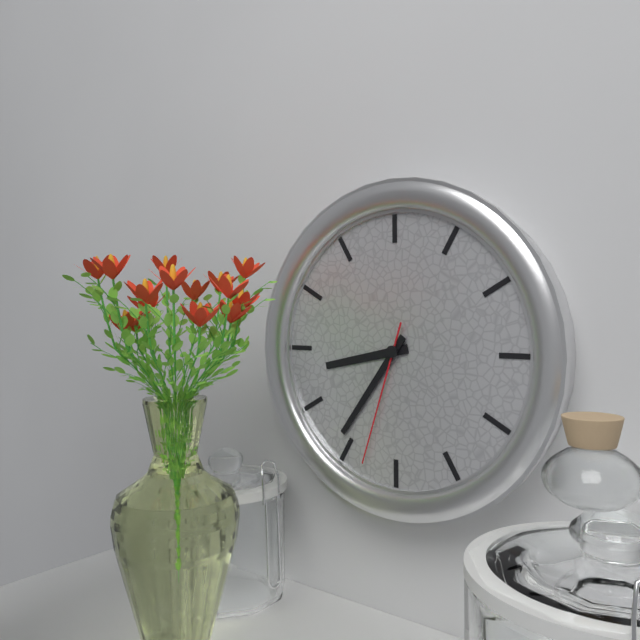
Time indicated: 8h36m33s
